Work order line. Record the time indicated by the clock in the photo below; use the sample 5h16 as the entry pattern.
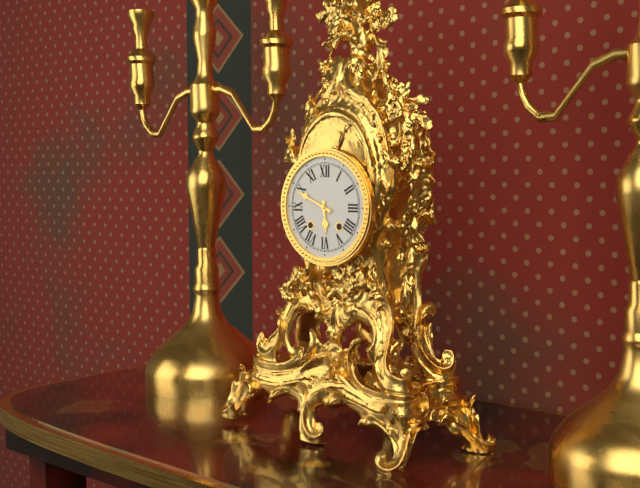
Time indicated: 5h49
